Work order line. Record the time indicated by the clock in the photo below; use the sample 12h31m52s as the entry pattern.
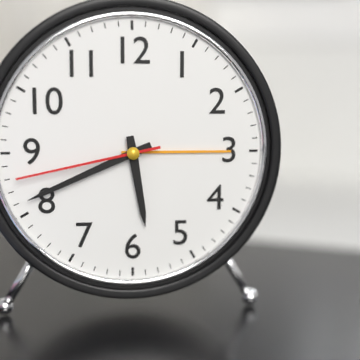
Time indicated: 5h41m43s
